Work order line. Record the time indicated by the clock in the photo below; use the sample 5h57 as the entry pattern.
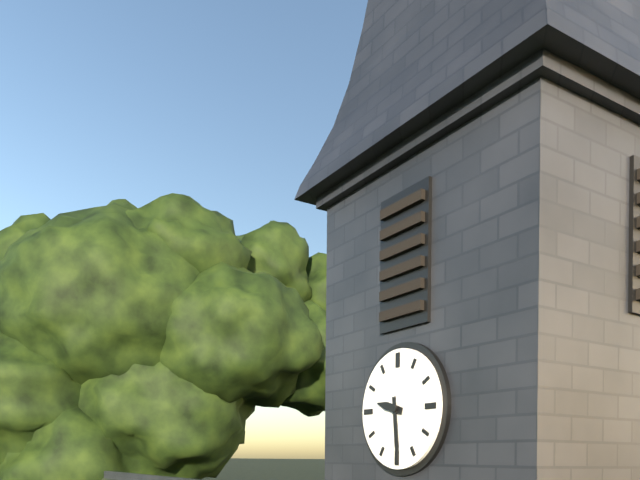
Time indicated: 9h29
